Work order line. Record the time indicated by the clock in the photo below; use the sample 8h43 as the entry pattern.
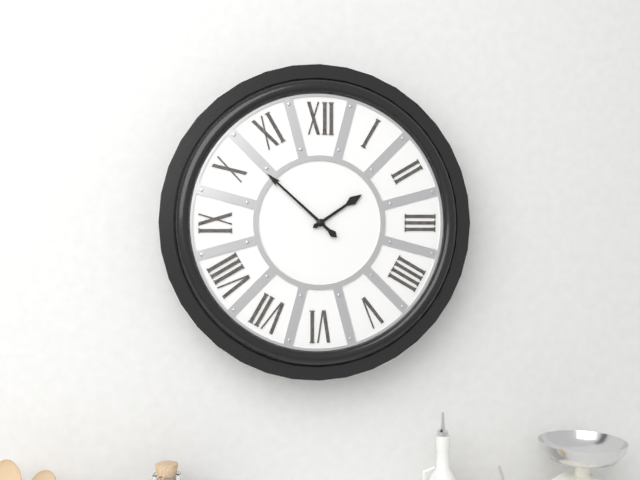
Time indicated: 1h52
